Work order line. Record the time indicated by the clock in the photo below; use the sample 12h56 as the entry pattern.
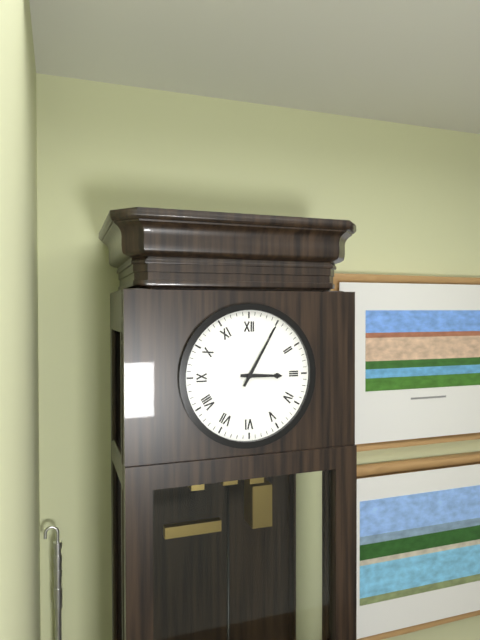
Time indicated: 3h05
